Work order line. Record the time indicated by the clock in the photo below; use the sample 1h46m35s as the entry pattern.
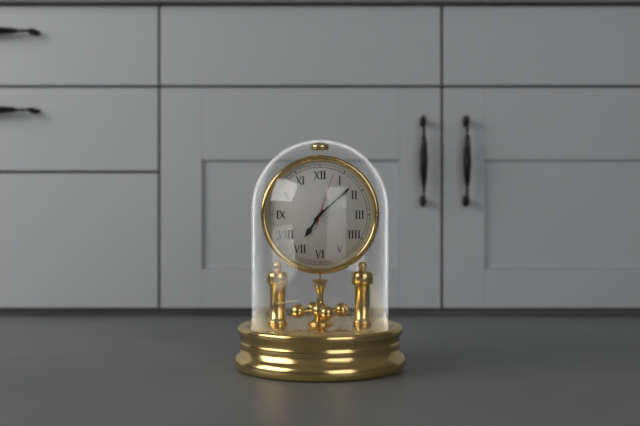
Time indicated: 7h08m03s
